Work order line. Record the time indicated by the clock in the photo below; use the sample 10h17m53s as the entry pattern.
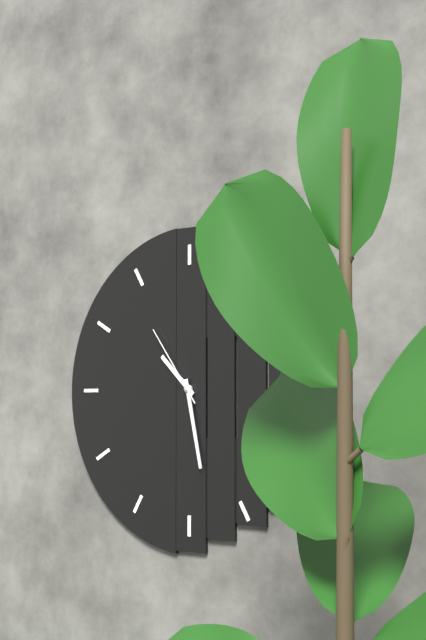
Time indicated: 10h28m54s
